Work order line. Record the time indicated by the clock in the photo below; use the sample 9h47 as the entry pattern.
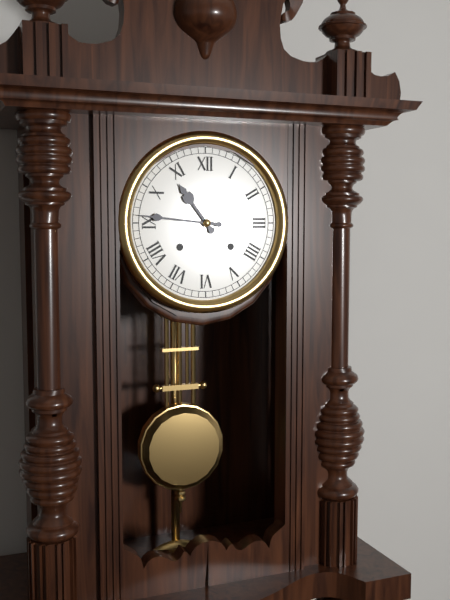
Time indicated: 10h46
